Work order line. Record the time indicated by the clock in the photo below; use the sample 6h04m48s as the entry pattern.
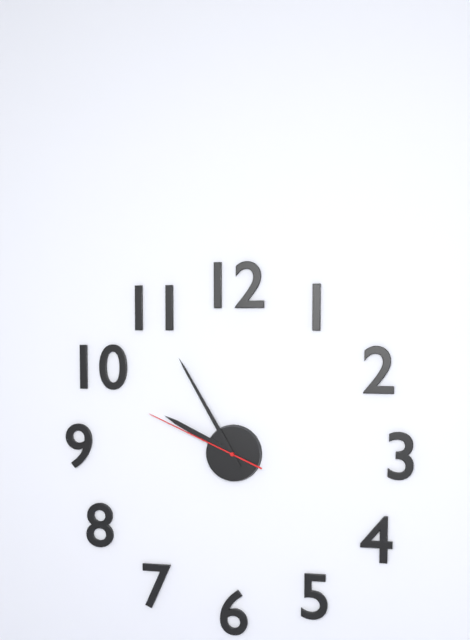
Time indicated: 9h55m49s
